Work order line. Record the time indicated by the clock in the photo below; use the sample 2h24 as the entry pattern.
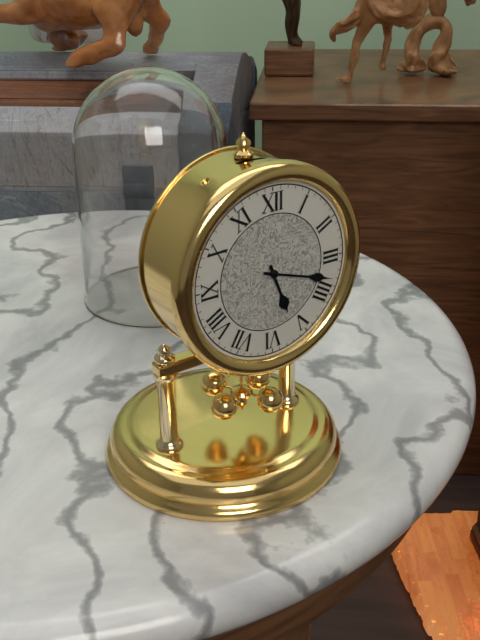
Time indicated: 5h18
